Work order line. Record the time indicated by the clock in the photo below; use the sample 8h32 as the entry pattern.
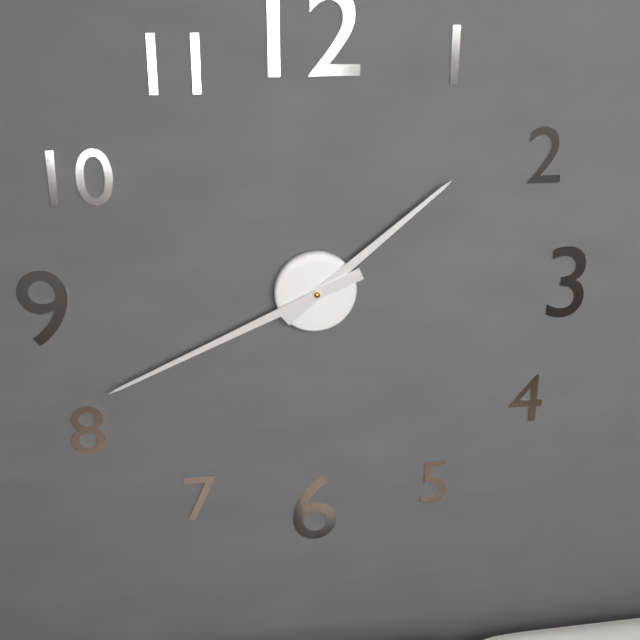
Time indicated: 1h41
